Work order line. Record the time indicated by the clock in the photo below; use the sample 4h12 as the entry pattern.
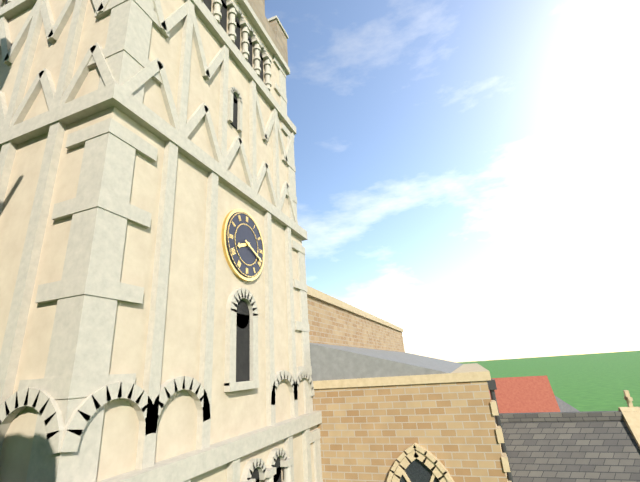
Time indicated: 8h19
